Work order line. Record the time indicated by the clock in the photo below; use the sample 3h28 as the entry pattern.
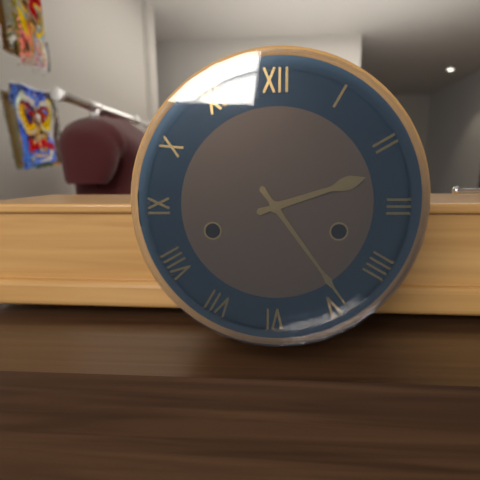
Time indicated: 2h24
